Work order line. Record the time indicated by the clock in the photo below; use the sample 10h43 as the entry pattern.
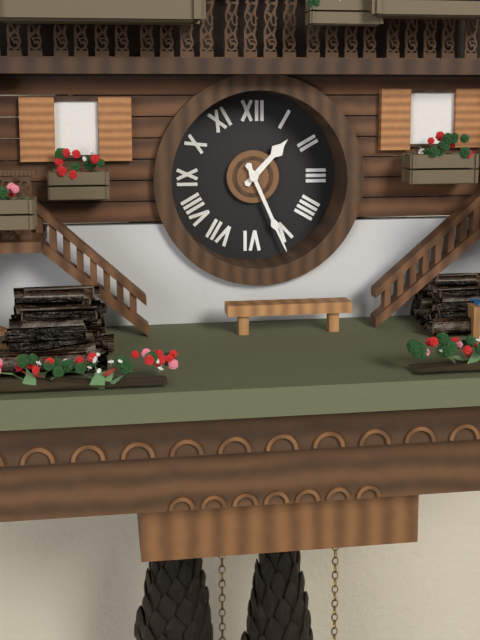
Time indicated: 1h26
